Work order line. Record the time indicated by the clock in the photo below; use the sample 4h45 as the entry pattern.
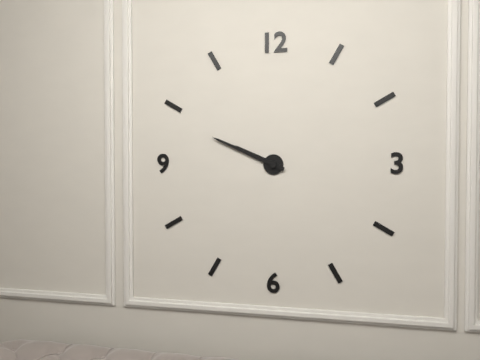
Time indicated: 9h49
